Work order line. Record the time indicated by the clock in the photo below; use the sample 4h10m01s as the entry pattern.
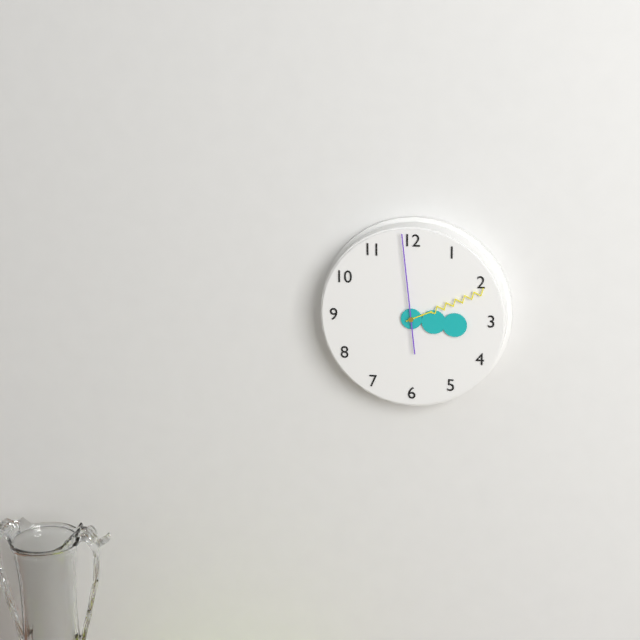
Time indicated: 3h11m59s
